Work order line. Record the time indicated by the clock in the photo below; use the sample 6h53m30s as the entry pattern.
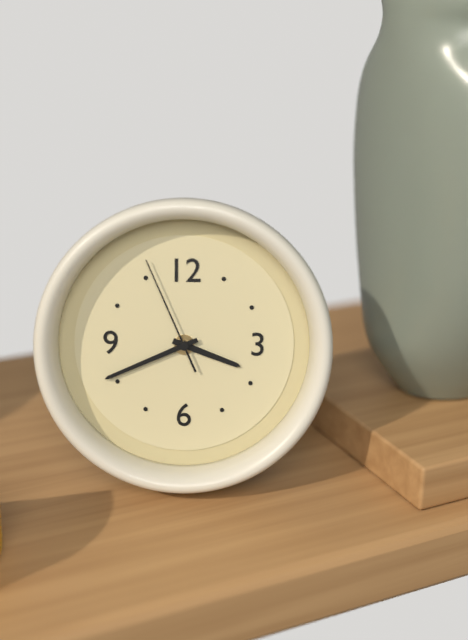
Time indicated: 3h41m56s
